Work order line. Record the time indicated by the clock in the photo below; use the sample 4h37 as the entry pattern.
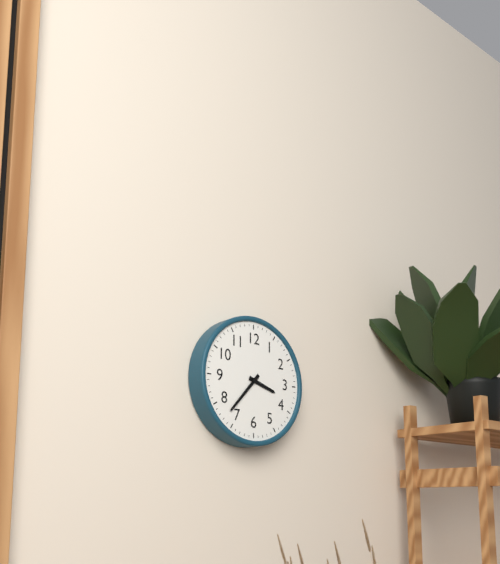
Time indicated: 3h37
